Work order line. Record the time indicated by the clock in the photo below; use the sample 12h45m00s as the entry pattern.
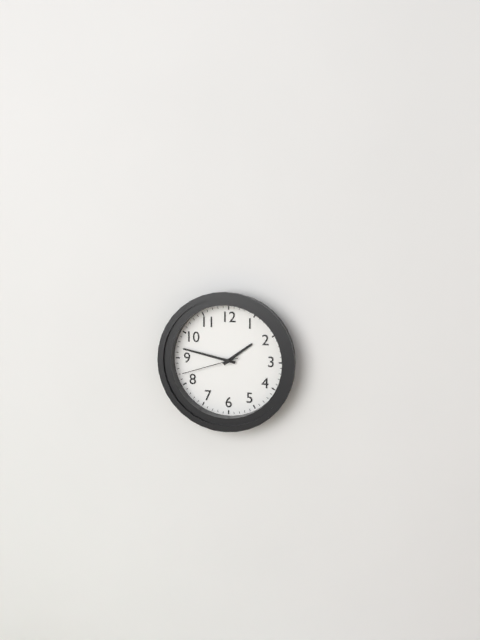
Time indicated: 1h47m42s
